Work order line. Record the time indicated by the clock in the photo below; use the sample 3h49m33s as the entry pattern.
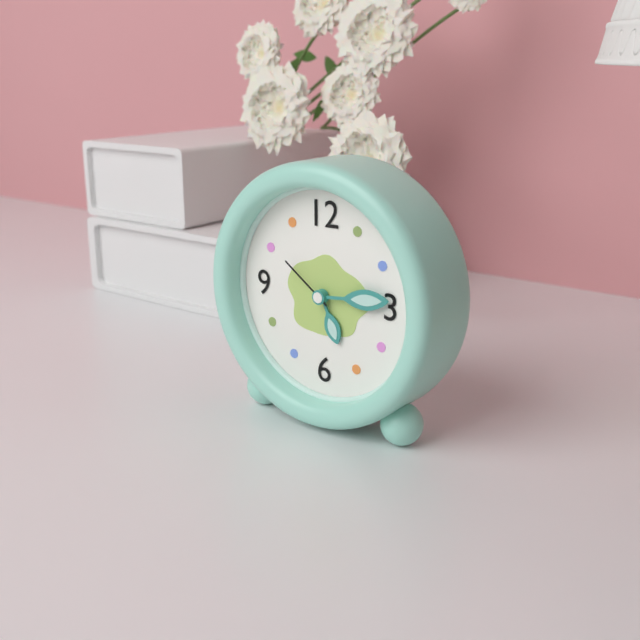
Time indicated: 5h14m51s
